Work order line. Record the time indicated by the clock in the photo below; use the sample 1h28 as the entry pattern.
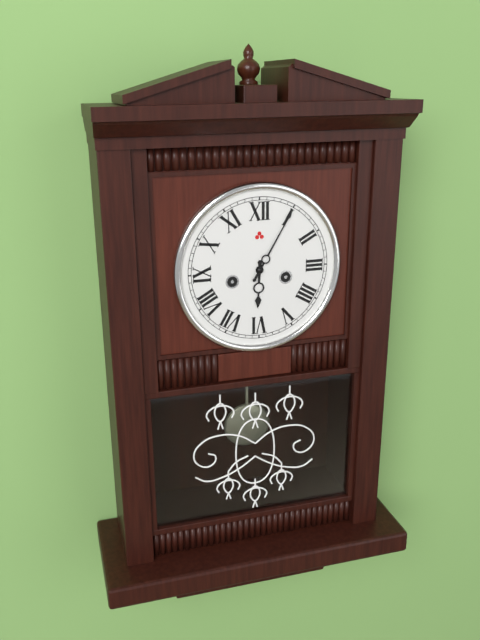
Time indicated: 6h05
